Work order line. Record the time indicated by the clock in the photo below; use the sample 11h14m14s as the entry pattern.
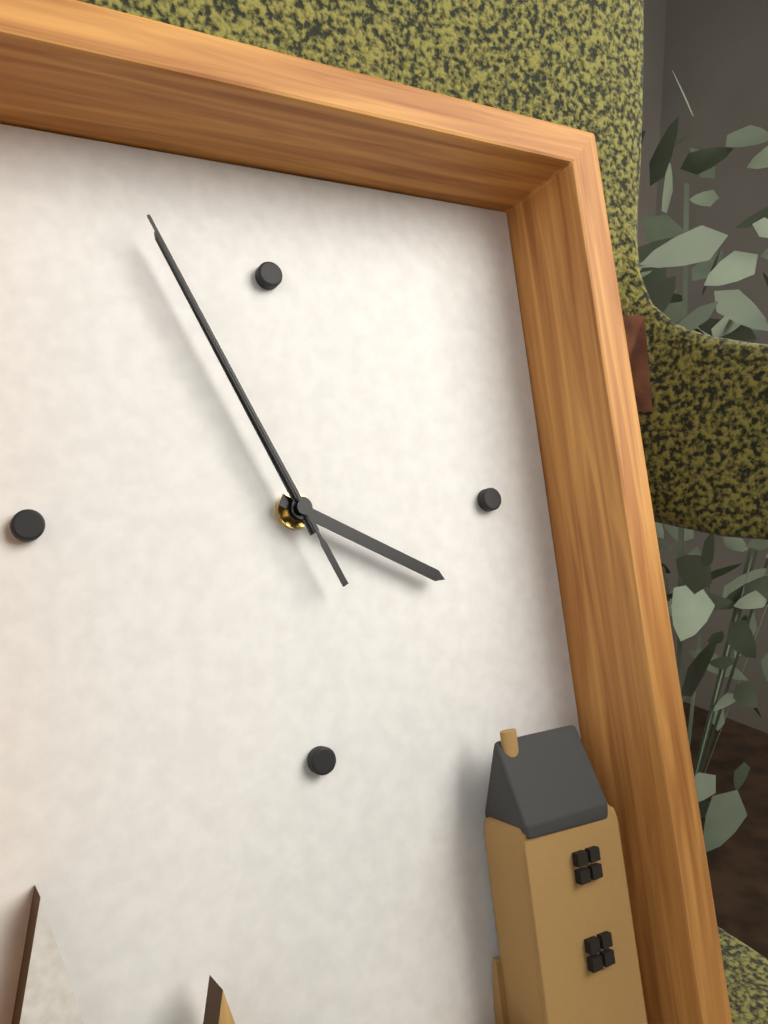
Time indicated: 3h56m56s
